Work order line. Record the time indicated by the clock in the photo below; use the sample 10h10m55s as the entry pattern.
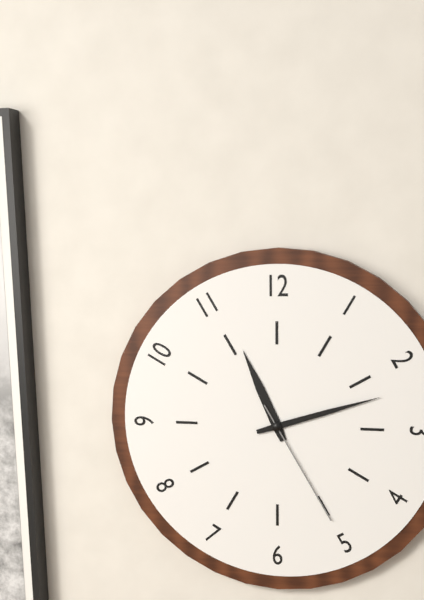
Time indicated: 11h12m25s
